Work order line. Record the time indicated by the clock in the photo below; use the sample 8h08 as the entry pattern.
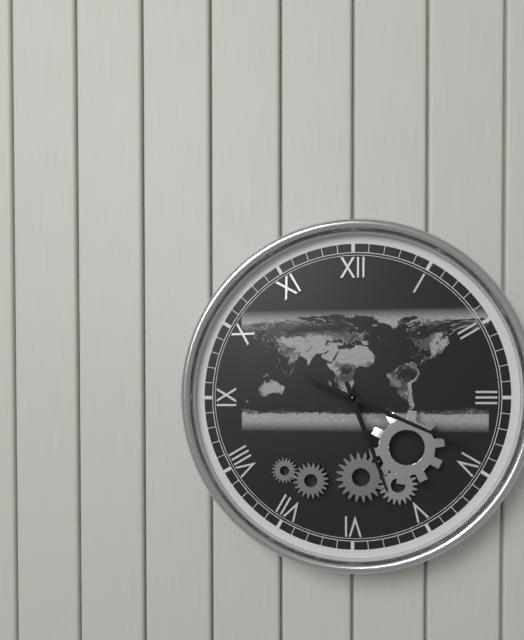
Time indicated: 5h19
